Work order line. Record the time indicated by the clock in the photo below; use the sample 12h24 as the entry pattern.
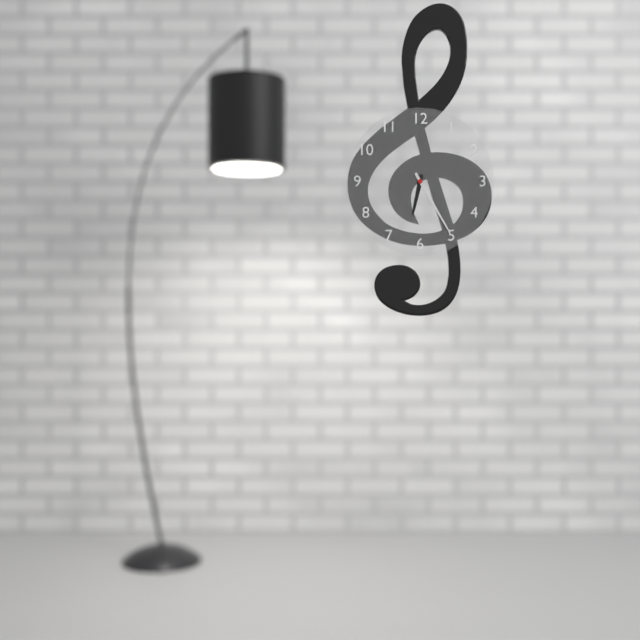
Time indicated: 6h25
